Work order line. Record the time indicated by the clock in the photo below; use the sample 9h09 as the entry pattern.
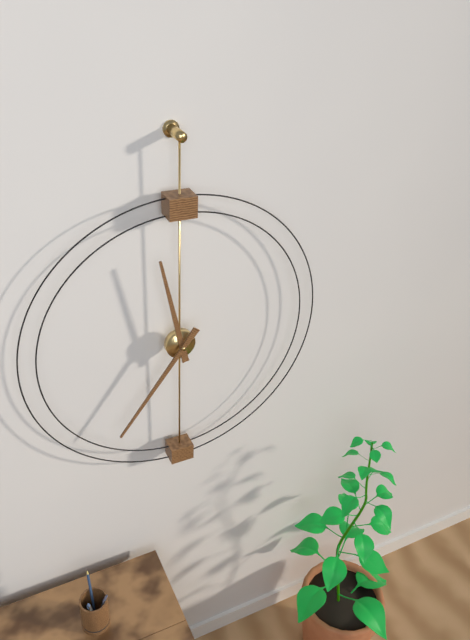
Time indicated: 11h36
